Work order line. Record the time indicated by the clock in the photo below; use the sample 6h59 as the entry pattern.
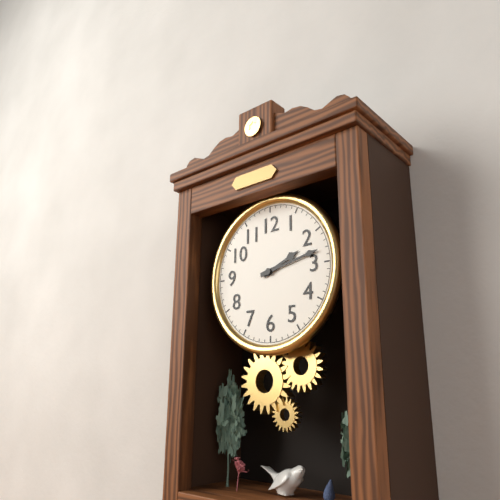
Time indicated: 2h13
